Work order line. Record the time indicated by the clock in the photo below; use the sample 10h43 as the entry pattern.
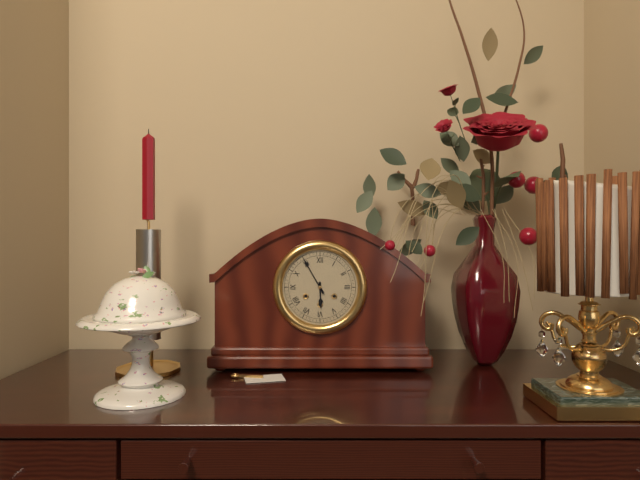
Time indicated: 5h55
